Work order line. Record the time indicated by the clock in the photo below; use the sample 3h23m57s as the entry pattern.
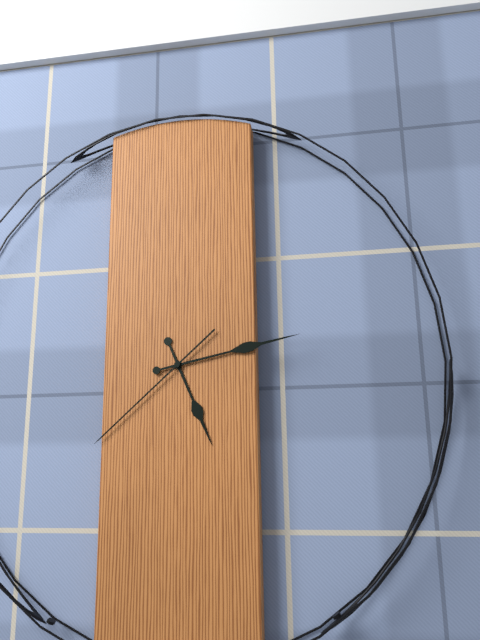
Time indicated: 5h13m38s
